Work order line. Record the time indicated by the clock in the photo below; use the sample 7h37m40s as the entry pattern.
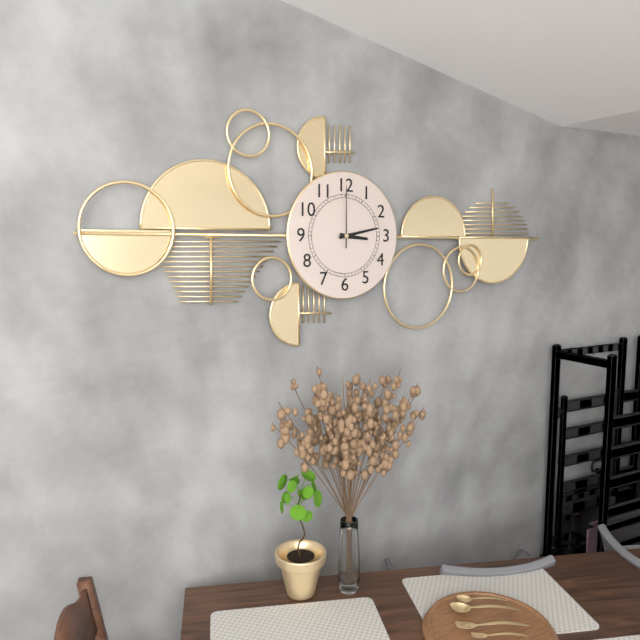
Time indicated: 3h13m00s
